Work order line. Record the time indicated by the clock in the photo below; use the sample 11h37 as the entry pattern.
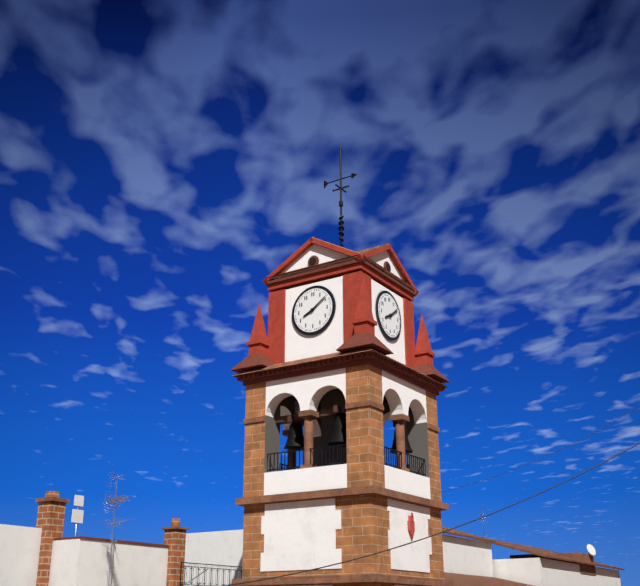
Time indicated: 8h09
